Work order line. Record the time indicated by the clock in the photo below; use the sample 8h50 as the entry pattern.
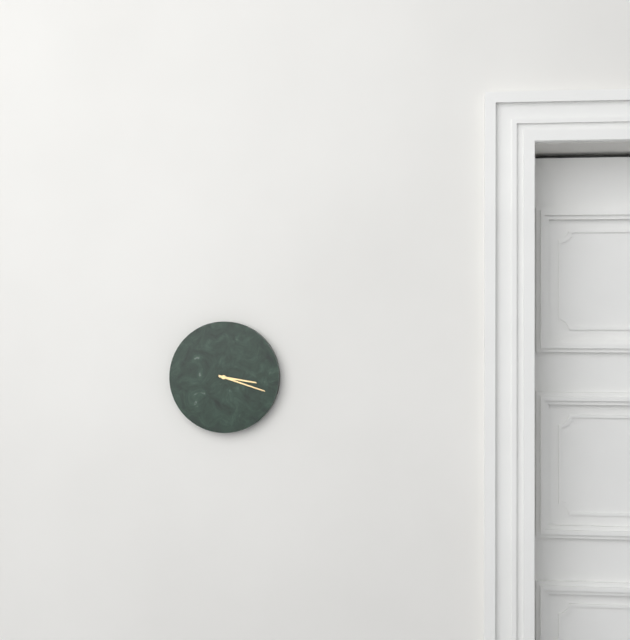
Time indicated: 3h18
